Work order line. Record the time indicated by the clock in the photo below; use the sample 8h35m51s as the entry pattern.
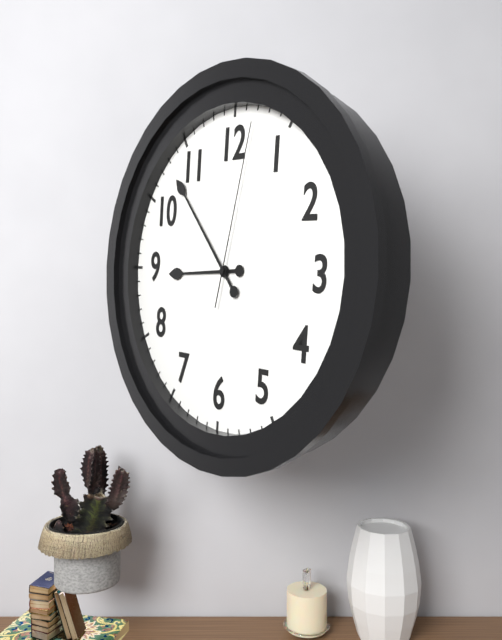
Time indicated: 8h53m02s
